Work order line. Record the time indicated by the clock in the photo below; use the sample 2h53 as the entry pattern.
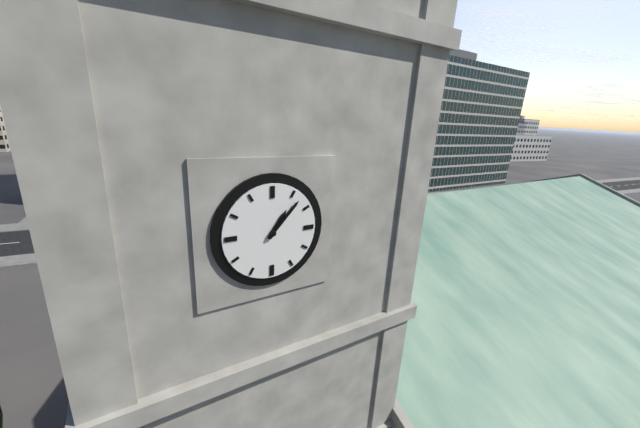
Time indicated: 1h07
